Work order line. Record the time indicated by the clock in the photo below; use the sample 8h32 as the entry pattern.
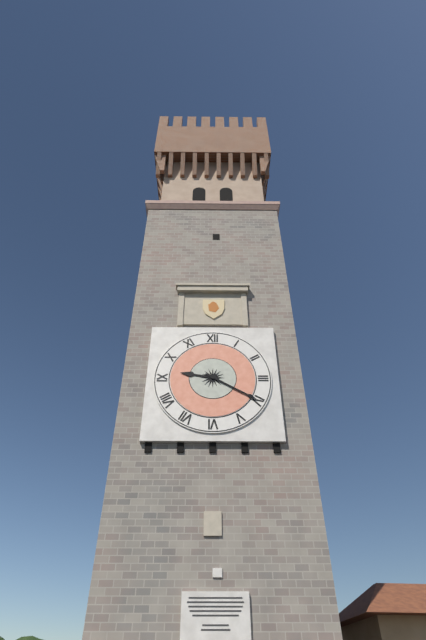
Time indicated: 9h20
